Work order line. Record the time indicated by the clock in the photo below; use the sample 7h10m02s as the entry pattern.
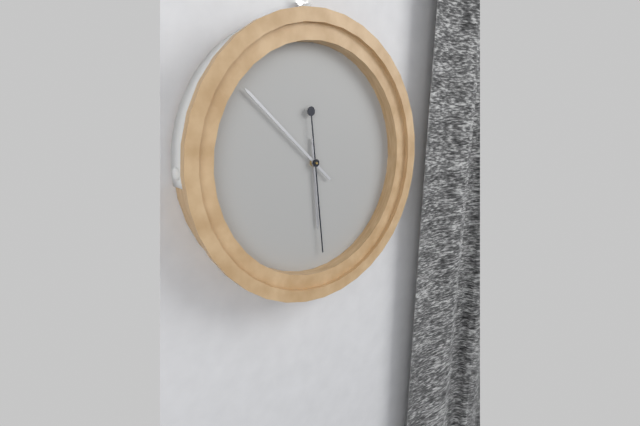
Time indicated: 5h52m29s
